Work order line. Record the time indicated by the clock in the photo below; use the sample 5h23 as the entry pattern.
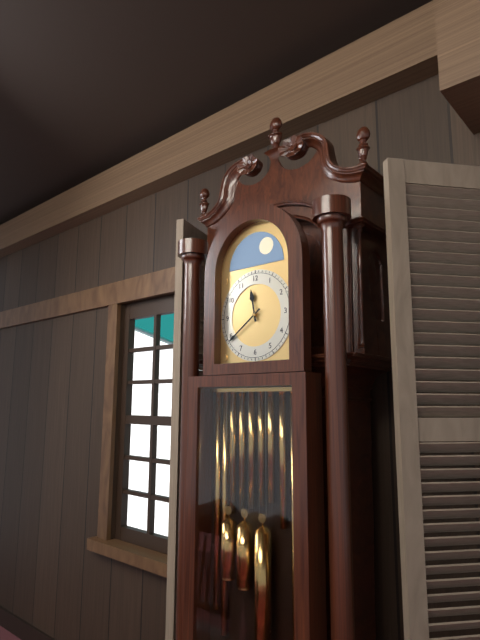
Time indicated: 11h39
